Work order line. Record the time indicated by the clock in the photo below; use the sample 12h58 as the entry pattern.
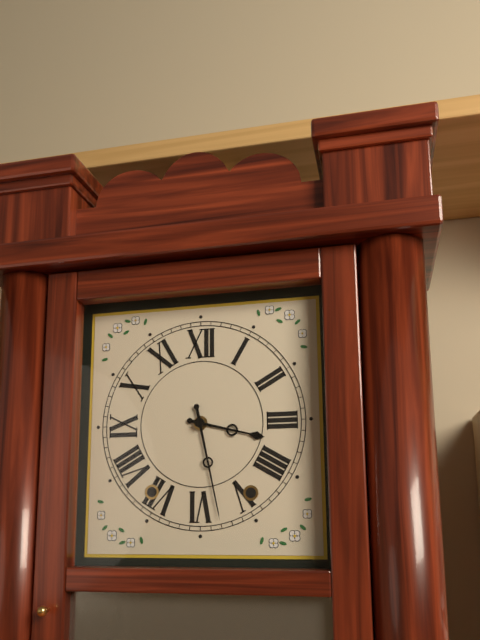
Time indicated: 3h28
